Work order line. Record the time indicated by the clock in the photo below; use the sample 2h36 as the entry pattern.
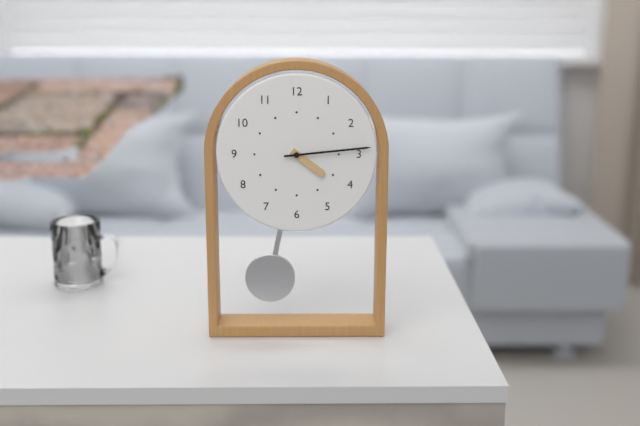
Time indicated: 4h14
